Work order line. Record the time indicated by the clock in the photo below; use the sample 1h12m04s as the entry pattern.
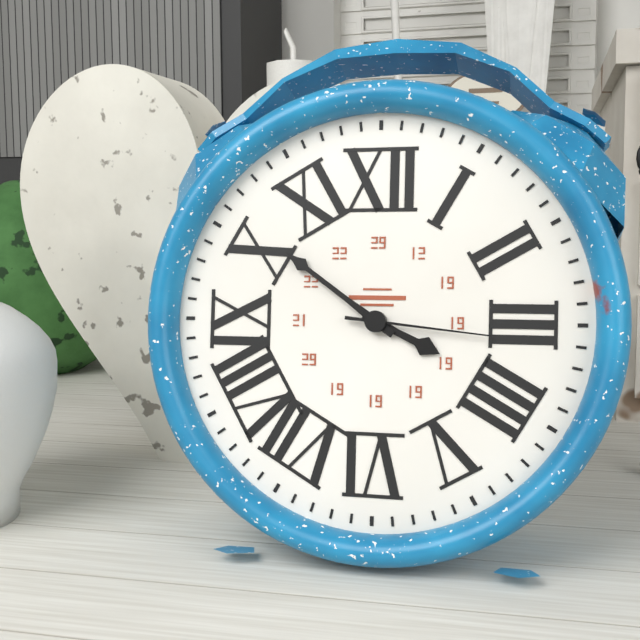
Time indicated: 3h51m16s
